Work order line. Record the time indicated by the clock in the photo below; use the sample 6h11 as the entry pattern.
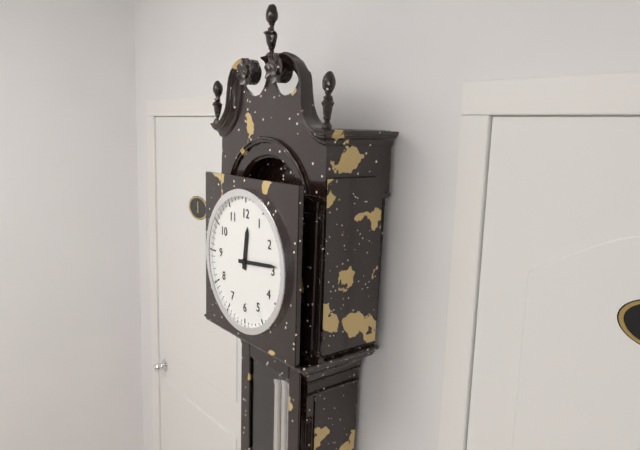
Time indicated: 12h14
